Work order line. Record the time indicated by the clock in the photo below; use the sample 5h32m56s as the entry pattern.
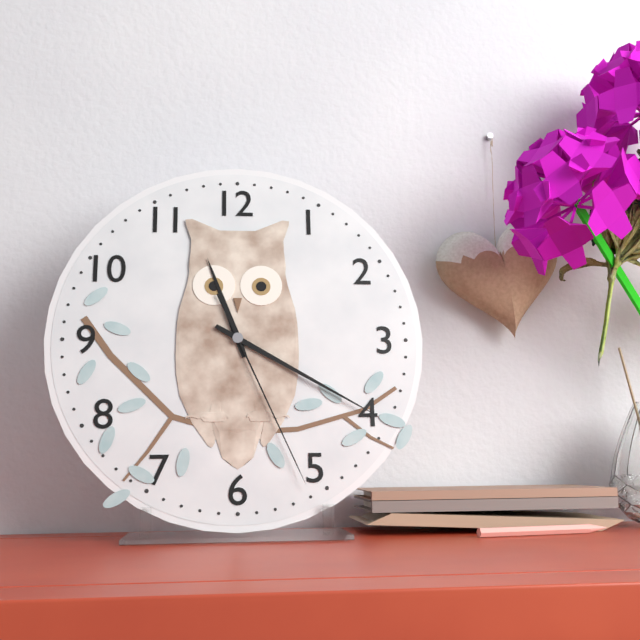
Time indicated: 11h20m26s
